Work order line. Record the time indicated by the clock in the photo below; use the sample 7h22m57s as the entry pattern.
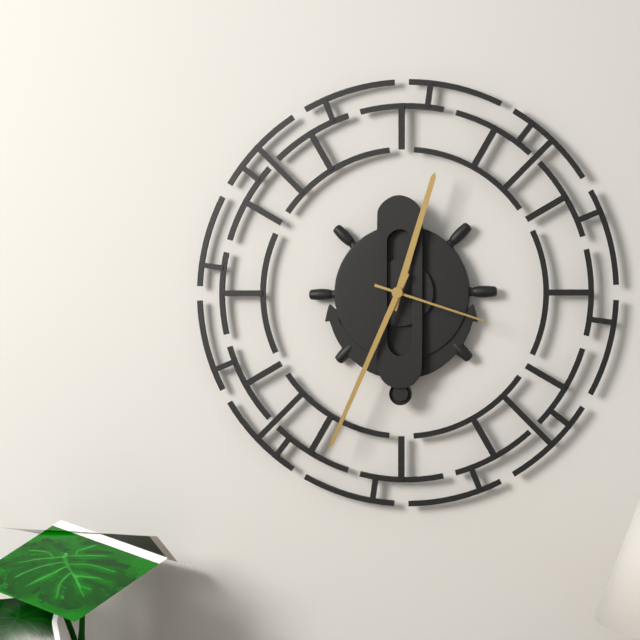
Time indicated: 12h34m18s
